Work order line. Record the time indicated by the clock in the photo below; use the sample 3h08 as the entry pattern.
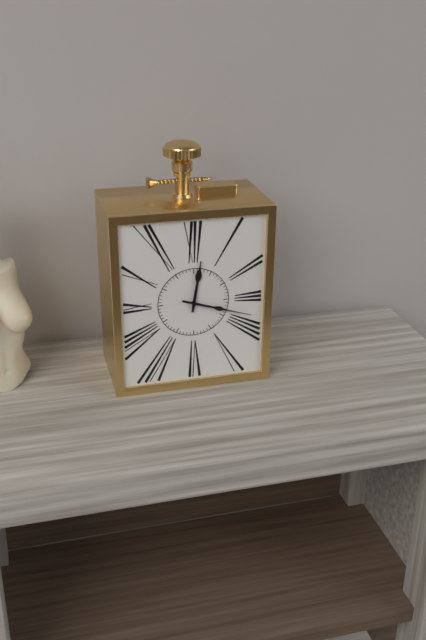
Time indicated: 12h18
